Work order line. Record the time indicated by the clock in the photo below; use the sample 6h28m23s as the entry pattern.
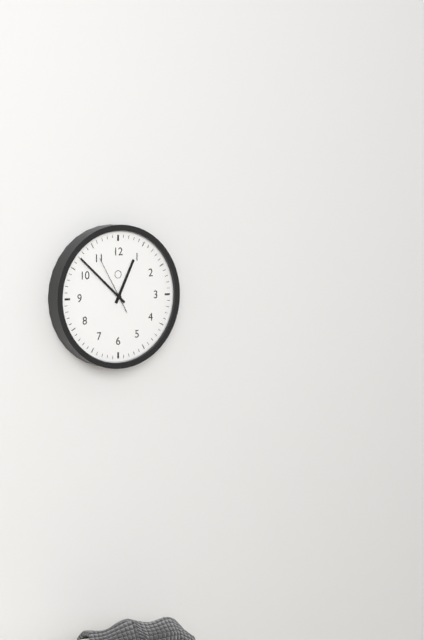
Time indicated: 12h52m55s
